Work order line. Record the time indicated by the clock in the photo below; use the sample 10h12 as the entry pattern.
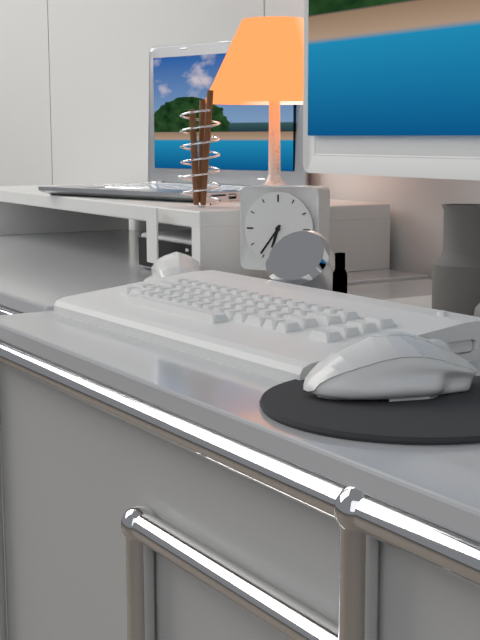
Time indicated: 6h36
